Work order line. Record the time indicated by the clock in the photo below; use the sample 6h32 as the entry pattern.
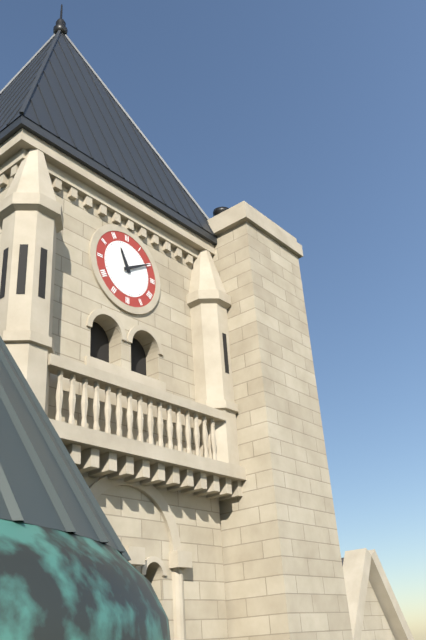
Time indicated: 11h10
